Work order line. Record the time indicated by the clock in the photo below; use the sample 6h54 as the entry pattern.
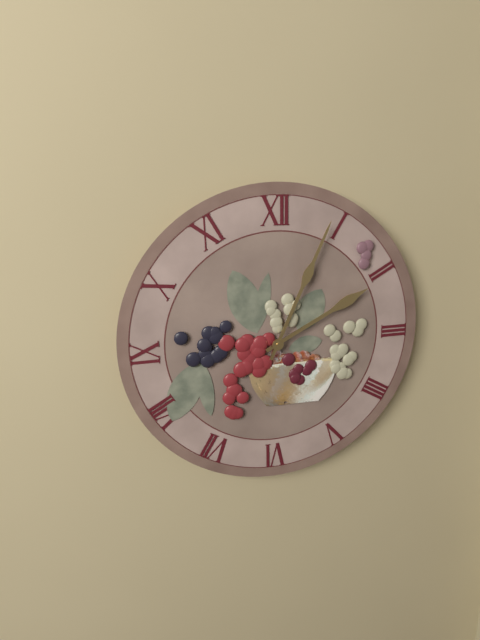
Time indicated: 2h04
